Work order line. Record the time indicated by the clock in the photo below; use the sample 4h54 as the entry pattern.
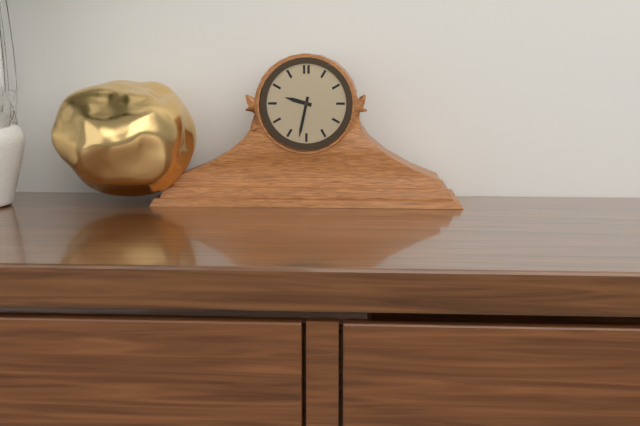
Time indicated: 9h32
